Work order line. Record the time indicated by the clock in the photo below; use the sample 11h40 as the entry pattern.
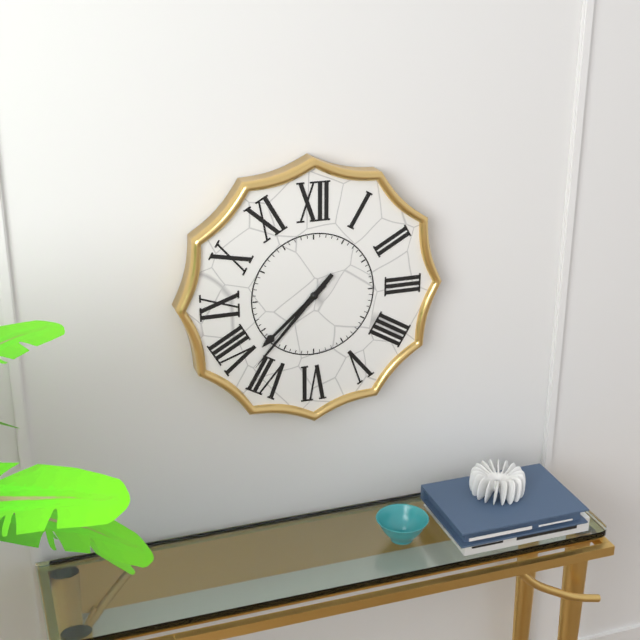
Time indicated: 7h37
